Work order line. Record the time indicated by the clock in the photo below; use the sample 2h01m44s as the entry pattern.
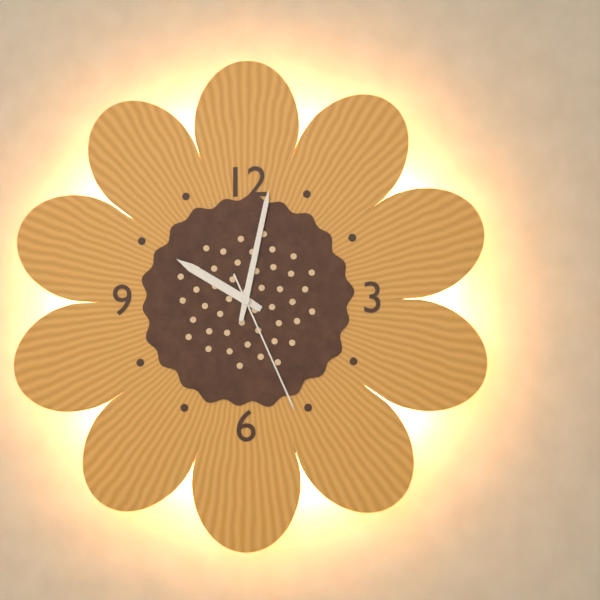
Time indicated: 10h02m26s
